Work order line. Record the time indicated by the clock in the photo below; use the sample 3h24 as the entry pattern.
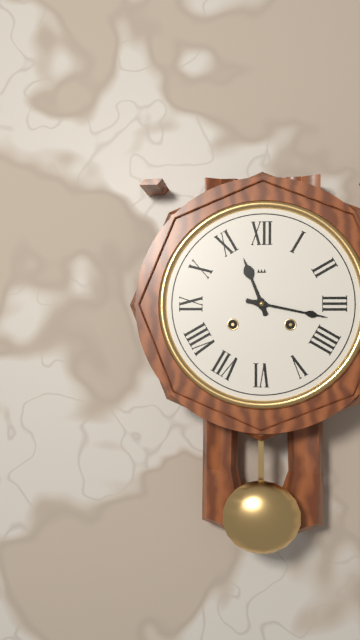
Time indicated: 11h17
